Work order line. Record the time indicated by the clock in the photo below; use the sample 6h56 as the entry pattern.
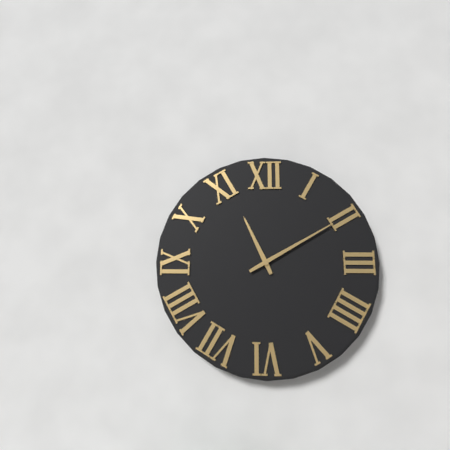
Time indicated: 11h10
